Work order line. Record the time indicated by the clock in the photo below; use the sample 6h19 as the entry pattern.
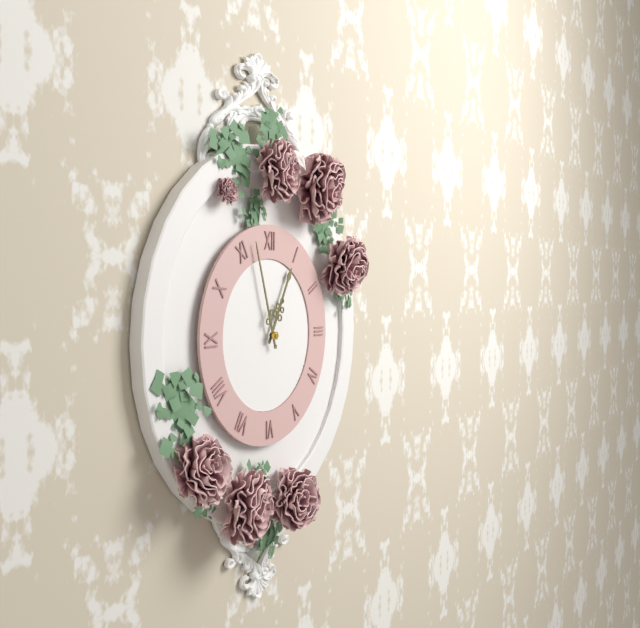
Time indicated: 12h57
